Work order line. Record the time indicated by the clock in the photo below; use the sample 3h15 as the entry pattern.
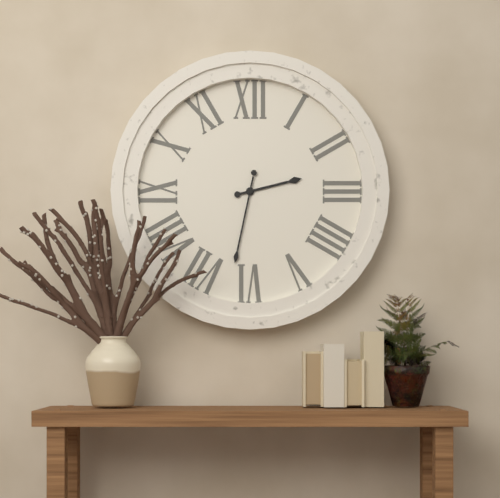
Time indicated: 2h32
